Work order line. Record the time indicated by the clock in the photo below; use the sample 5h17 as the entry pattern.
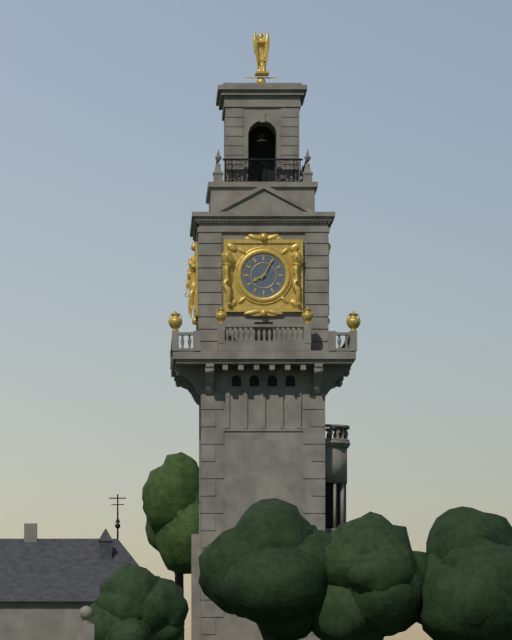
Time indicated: 8h05
